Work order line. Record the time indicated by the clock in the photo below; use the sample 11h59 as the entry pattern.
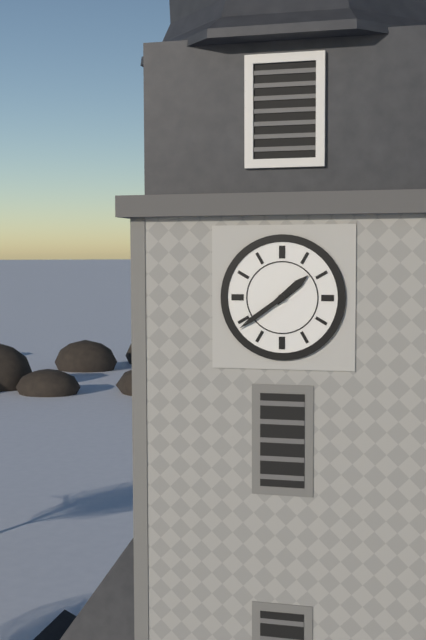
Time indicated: 1h39
